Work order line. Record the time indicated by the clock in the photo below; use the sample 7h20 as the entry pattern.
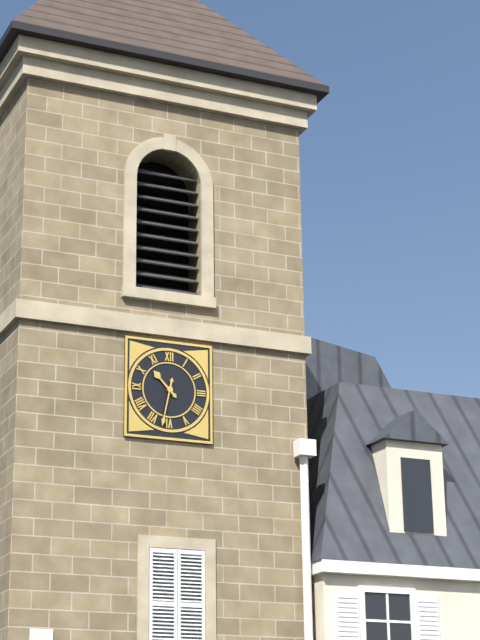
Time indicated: 10h32
